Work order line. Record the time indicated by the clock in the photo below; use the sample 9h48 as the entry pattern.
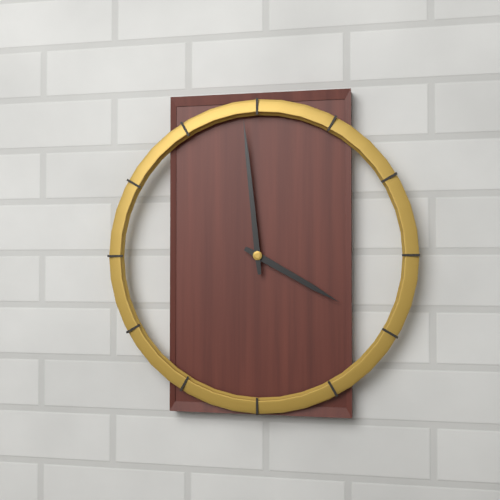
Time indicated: 3h59
